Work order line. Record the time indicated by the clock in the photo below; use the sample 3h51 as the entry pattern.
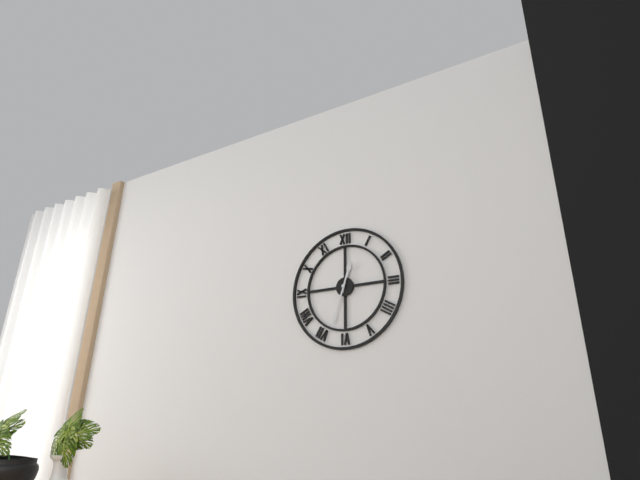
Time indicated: 12h33
